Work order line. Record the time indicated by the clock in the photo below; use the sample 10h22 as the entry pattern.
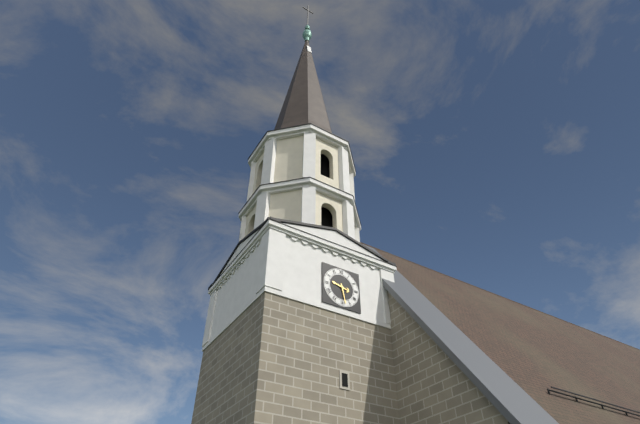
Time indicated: 9h28
